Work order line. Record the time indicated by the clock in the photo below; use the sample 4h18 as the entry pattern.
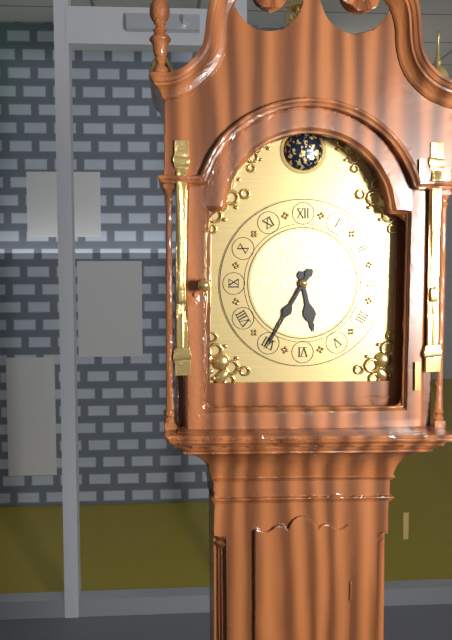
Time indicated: 5h35
